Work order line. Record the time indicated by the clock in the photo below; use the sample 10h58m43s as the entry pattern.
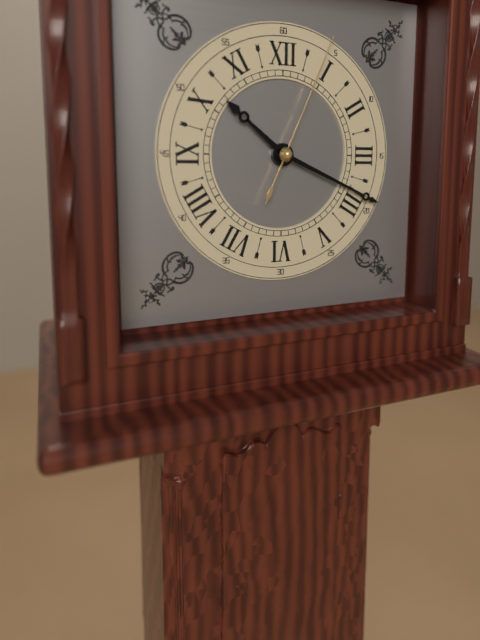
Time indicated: 10h19m04s
